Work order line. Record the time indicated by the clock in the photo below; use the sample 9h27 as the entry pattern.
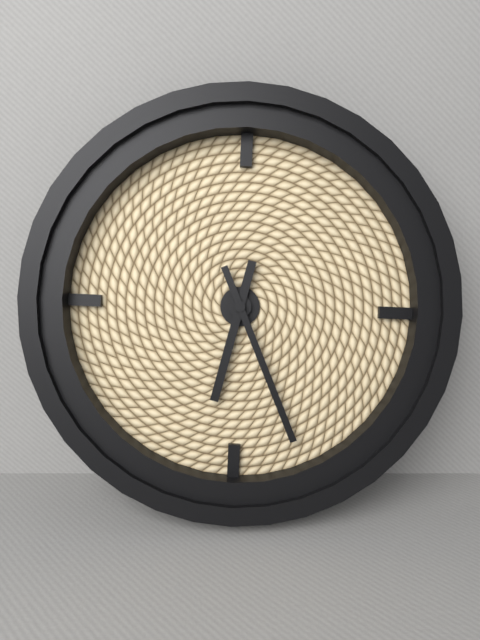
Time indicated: 6h26
